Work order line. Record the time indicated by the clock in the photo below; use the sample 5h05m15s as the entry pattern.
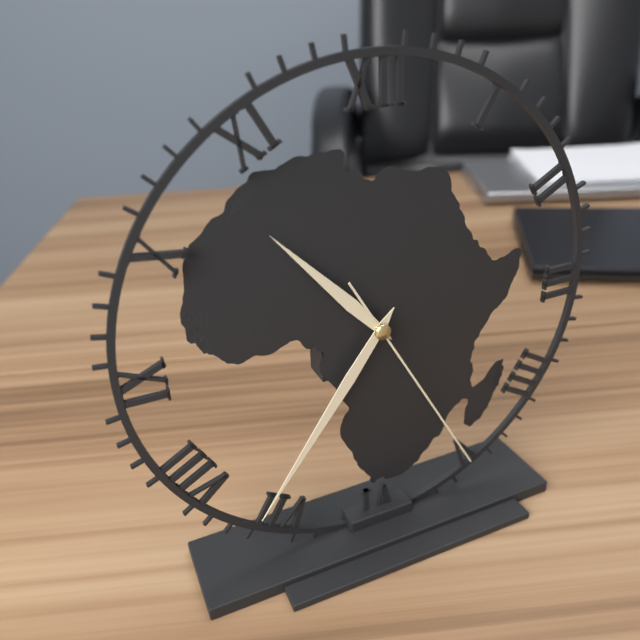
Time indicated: 10h36m25s
